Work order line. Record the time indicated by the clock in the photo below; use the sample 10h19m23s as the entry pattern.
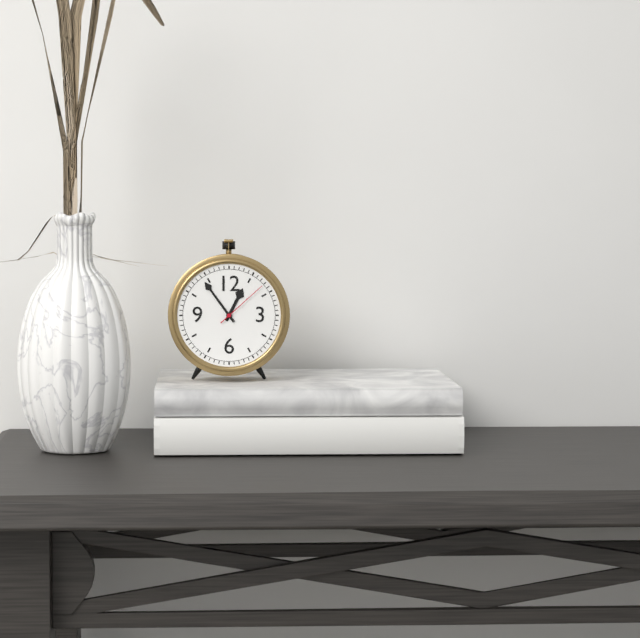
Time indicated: 12h54m08s
